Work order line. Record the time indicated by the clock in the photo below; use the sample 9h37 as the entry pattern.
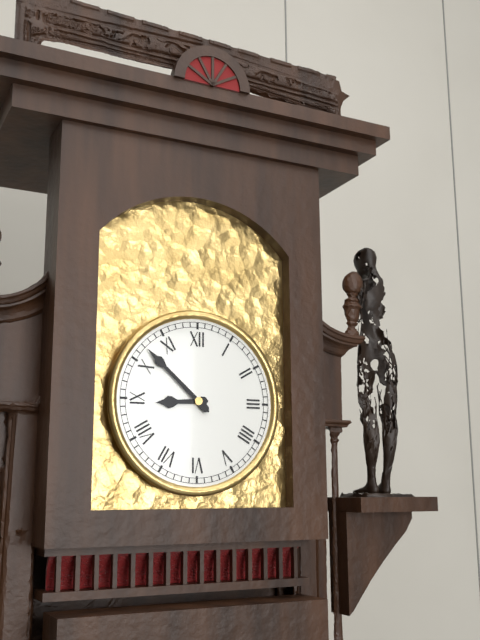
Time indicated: 8h52
